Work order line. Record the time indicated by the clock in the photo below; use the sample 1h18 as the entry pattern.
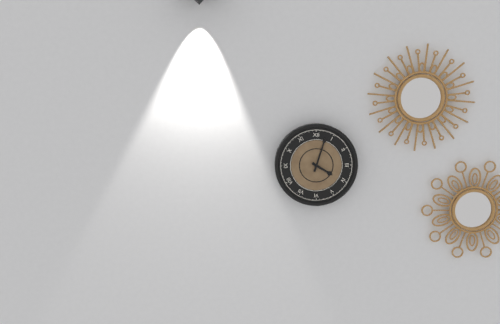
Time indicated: 4h03
